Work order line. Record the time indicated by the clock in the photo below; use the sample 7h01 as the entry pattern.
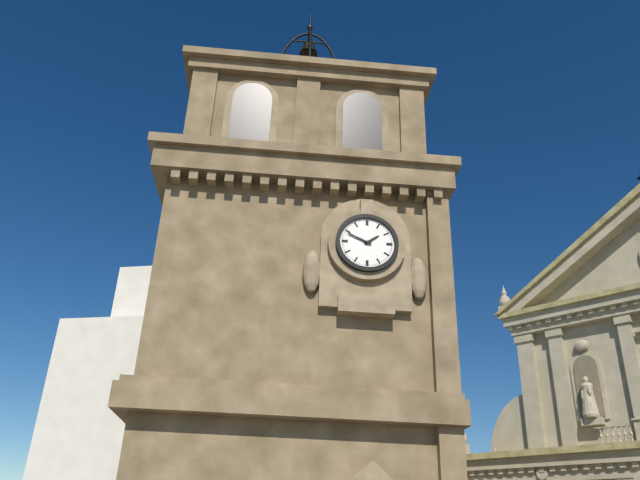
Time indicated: 1h49
